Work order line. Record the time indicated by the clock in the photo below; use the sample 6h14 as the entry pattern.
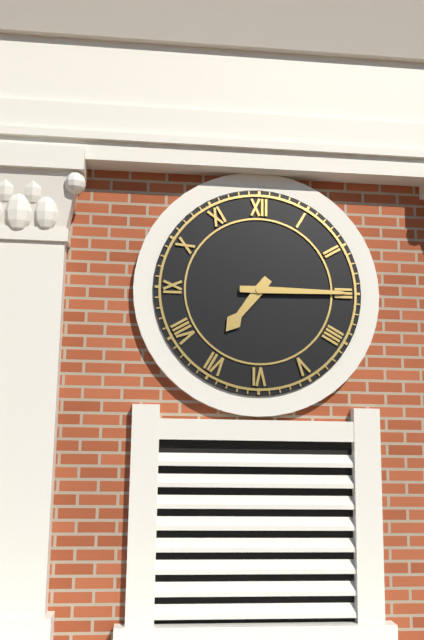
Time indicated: 7h15
